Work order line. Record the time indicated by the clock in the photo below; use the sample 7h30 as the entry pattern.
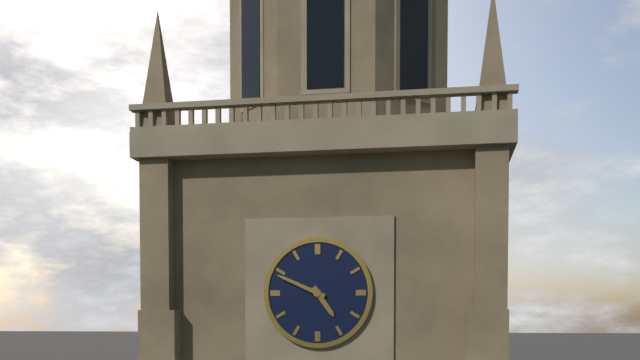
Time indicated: 4h49
